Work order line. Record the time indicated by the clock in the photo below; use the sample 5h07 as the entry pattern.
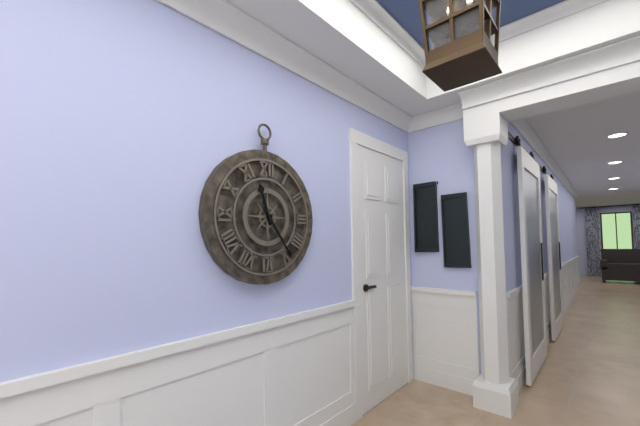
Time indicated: 11h24
